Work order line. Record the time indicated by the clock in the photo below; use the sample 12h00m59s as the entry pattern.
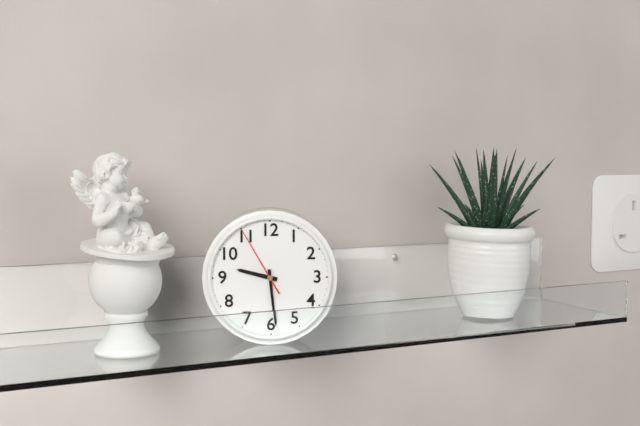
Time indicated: 9h29m55s
